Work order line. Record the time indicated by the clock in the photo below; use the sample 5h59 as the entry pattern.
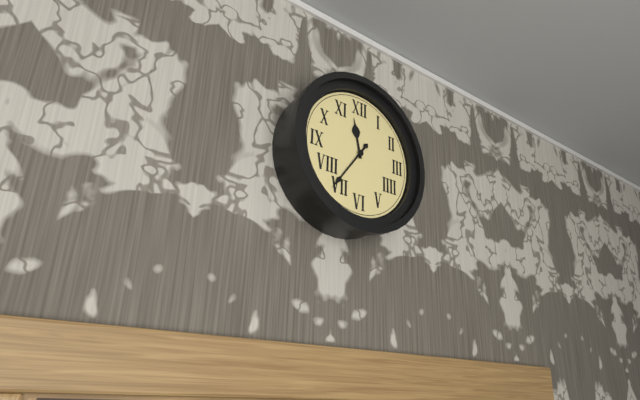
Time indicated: 11h36
